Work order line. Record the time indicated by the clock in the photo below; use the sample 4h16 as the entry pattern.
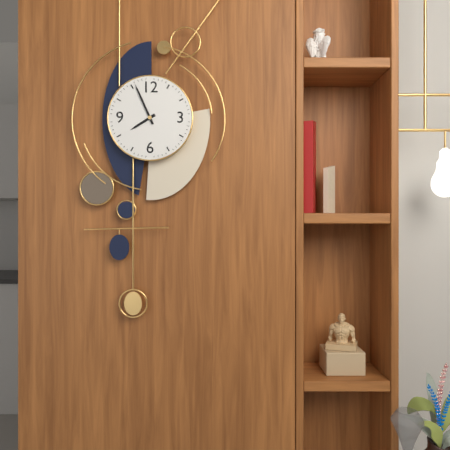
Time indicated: 7h56
